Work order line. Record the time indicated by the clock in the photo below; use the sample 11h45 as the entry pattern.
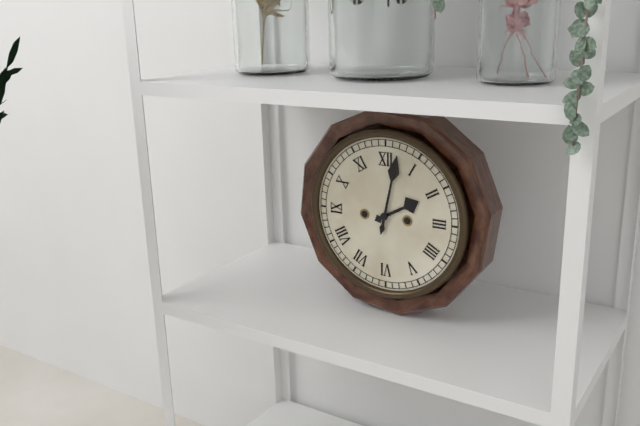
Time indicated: 2h02
